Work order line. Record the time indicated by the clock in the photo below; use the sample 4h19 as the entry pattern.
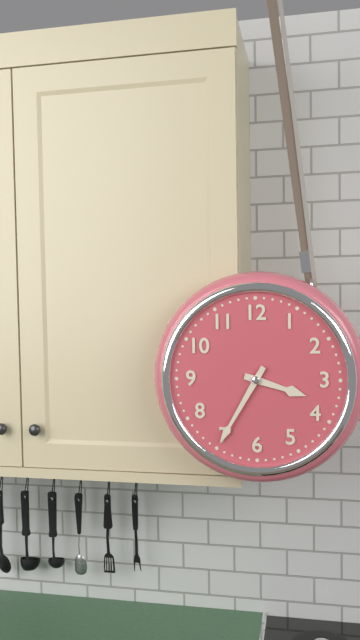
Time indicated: 3h35
